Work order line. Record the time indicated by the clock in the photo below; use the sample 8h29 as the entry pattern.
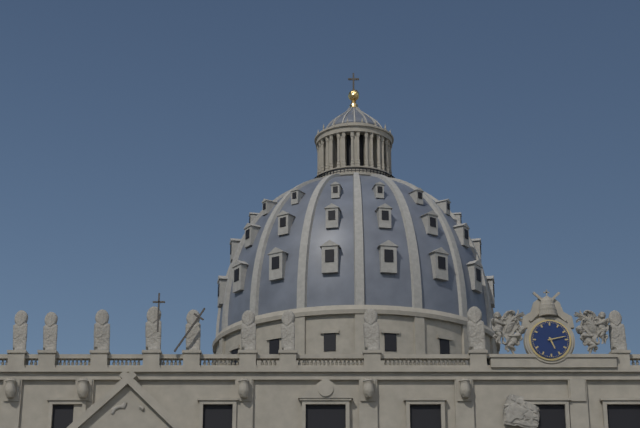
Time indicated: 5h13
